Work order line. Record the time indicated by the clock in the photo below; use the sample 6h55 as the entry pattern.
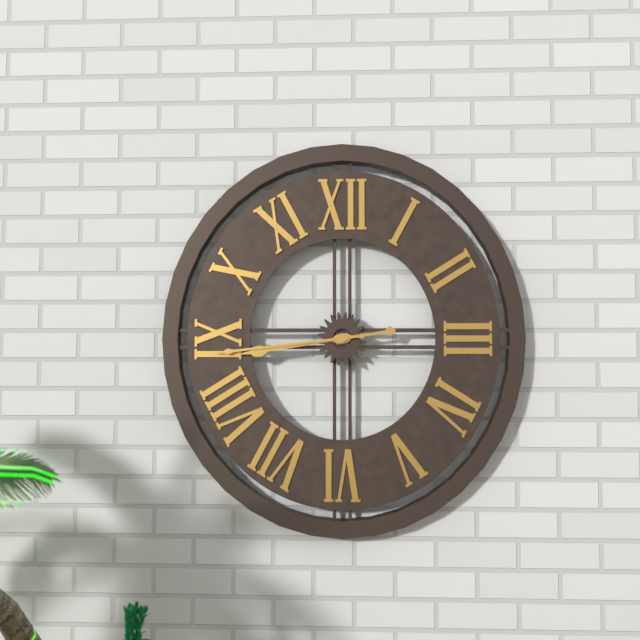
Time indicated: 8h44
